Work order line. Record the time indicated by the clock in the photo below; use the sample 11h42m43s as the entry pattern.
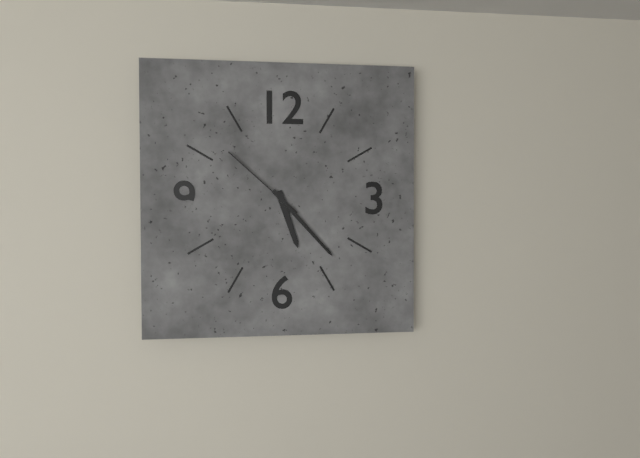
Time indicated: 5h23m52s
